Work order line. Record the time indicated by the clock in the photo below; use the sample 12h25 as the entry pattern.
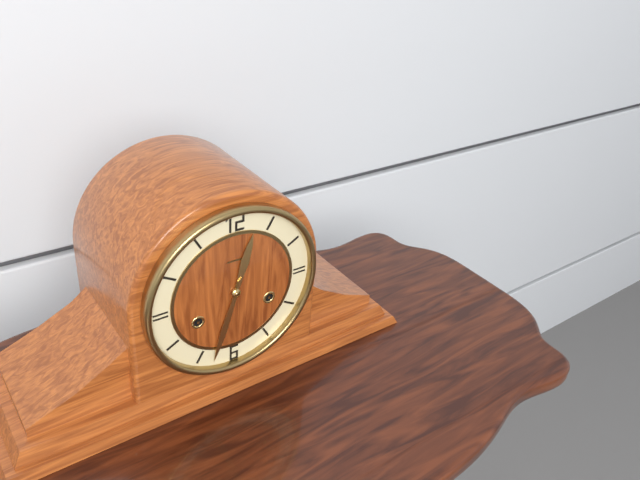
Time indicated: 12h33
